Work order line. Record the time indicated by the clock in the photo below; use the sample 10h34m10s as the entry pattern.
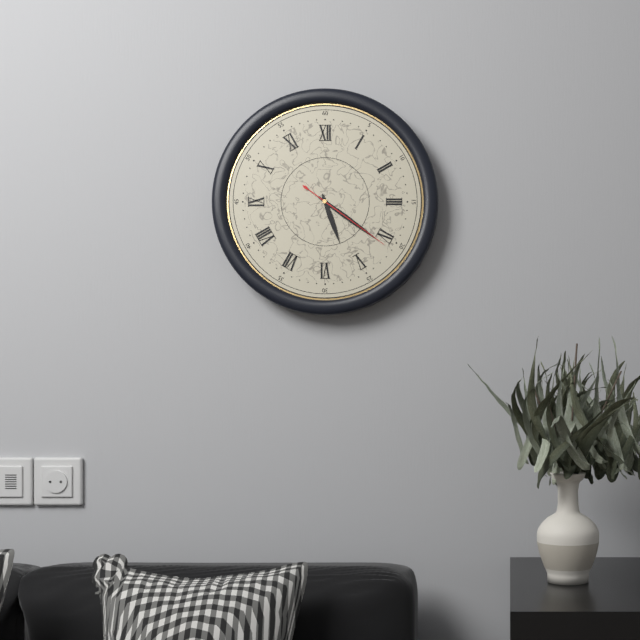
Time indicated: 5h21m21s
